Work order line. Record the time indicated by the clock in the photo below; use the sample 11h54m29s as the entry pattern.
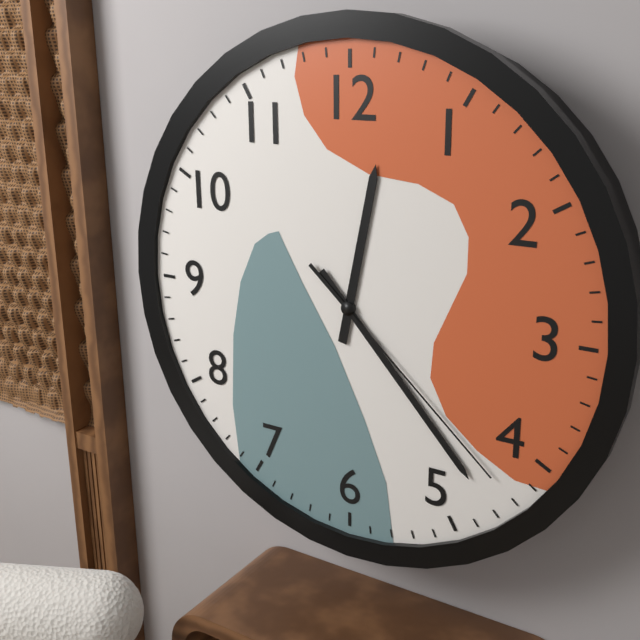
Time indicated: 12h23m22s
